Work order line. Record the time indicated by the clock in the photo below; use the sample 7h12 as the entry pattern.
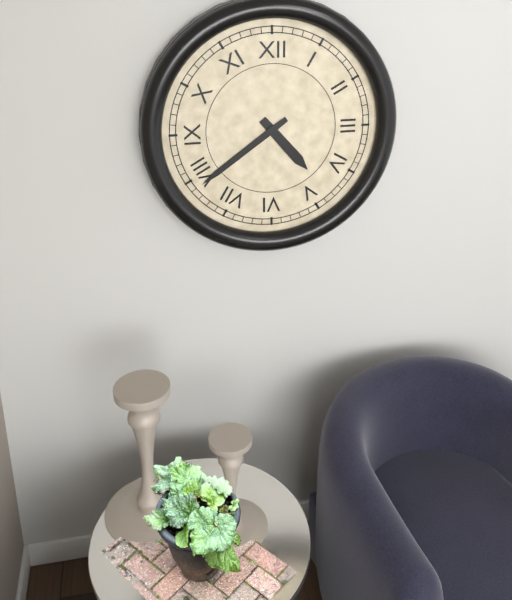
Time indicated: 4h39
